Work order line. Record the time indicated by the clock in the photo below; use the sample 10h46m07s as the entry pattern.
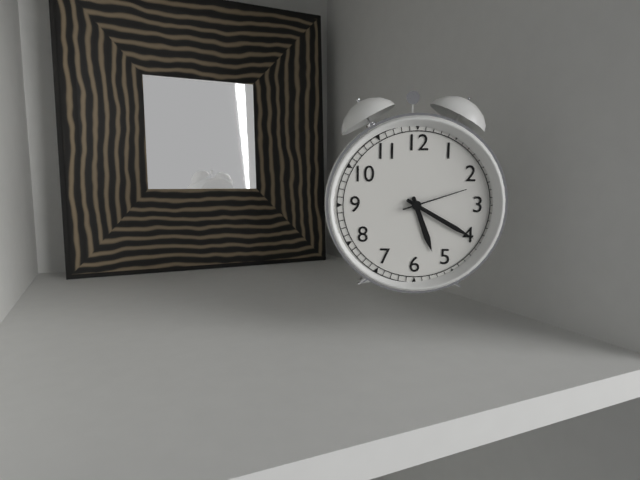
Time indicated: 5h20m12s
